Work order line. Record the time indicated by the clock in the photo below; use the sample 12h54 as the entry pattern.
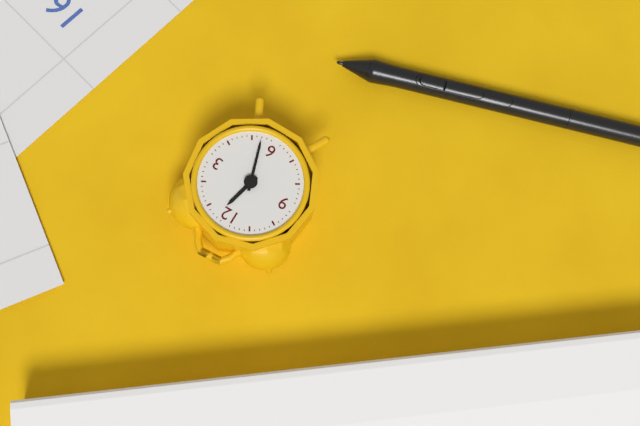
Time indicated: 12h27
